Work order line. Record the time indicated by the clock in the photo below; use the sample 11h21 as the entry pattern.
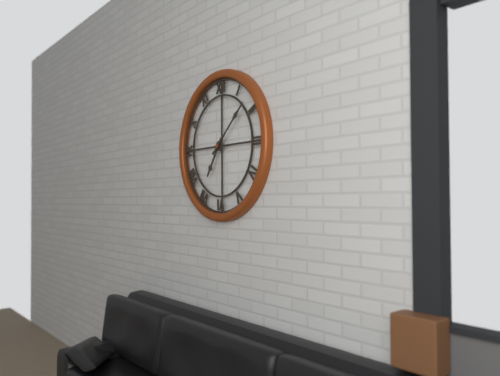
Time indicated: 7h08
